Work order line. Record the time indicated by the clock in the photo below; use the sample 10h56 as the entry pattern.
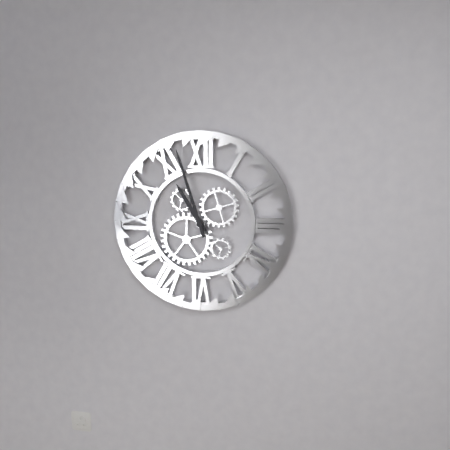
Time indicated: 10h57
